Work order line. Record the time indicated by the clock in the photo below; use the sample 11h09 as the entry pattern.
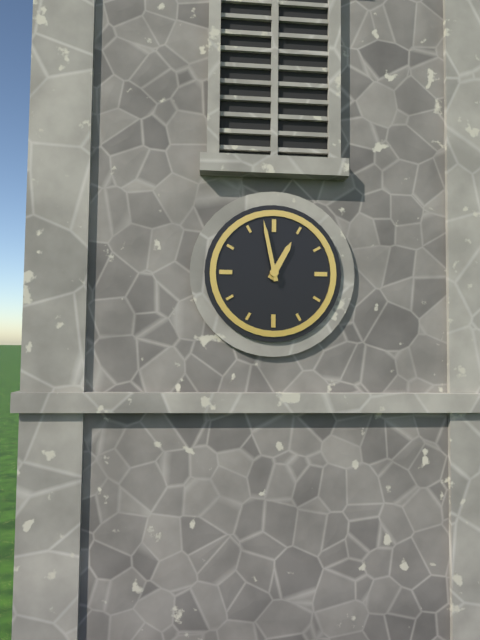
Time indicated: 12h58
